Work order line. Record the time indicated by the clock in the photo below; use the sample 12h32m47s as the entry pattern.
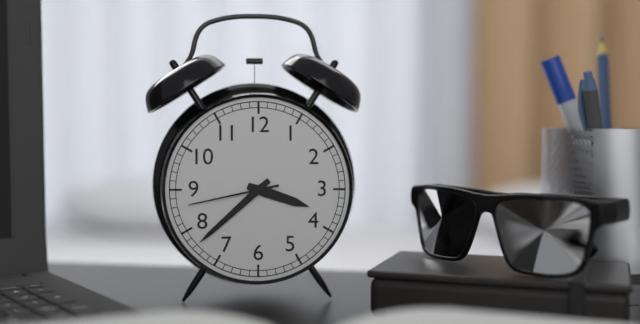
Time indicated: 3h38m43s
